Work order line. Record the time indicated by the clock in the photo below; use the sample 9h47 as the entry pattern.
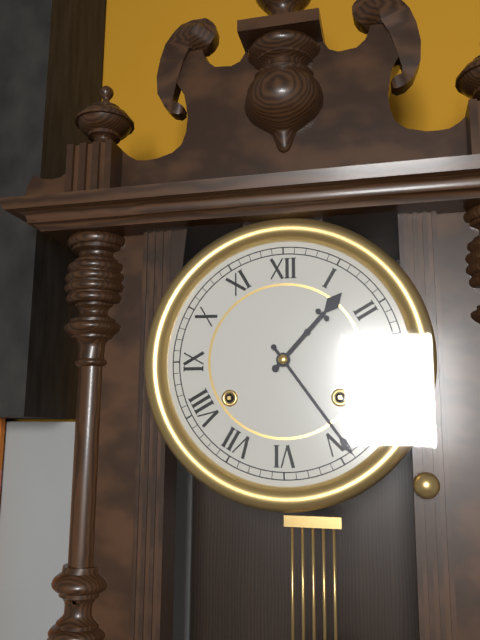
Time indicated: 1h24
